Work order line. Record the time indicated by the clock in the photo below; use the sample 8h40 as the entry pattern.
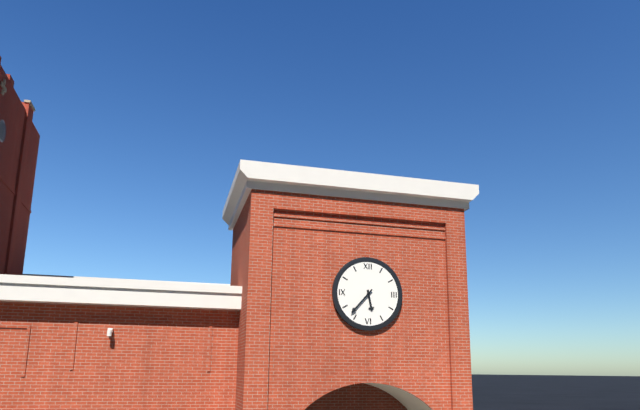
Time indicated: 5h37
